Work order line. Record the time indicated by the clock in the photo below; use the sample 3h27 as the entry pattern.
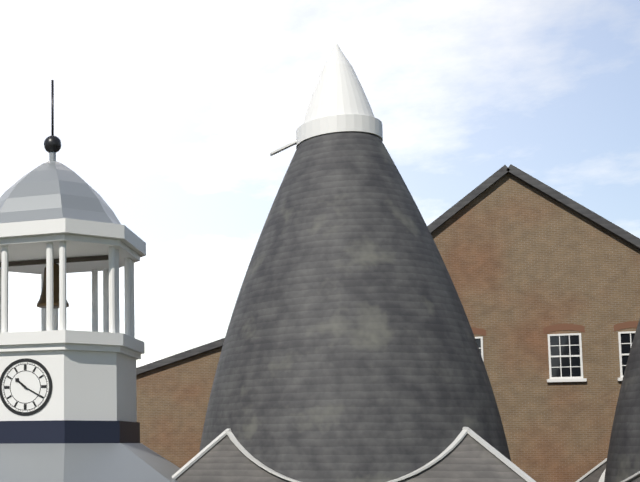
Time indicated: 10h20
